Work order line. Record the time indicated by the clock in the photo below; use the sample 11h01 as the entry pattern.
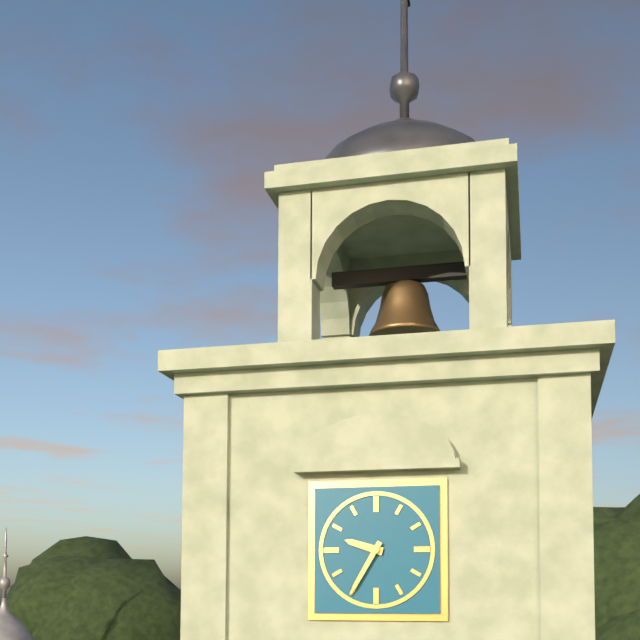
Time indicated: 9h35
